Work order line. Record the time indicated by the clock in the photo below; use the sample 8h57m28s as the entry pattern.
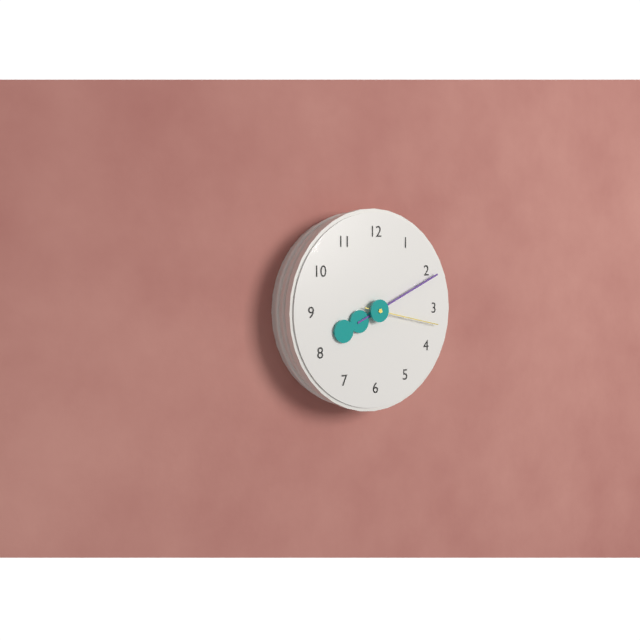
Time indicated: 8h11m17s
